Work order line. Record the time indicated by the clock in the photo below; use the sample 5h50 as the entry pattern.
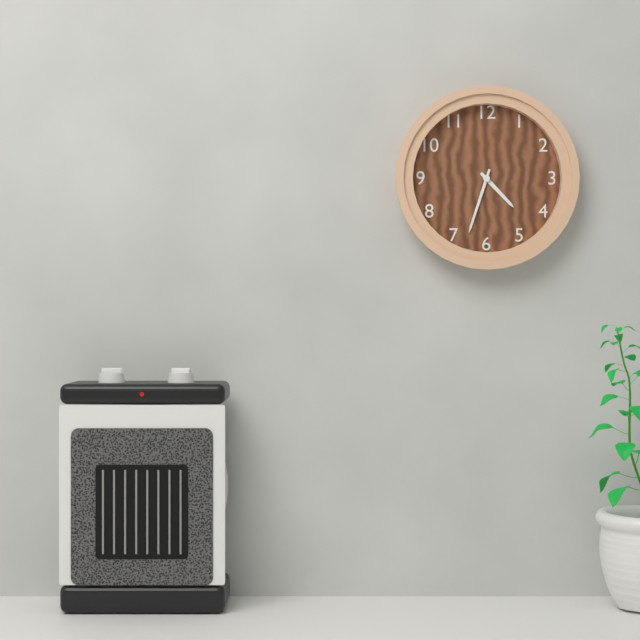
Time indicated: 4h33
